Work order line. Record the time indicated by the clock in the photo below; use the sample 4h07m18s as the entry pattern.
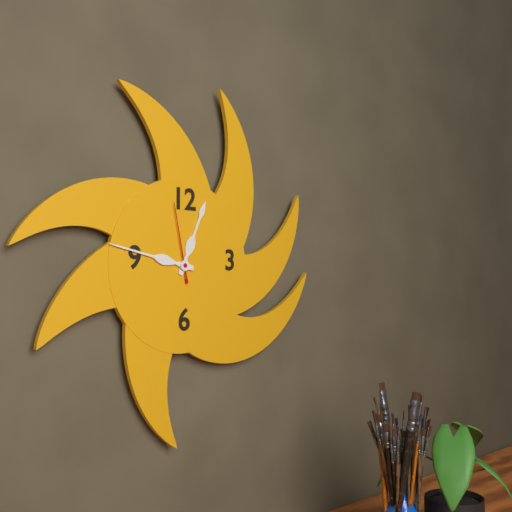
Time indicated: 12h47m58s
